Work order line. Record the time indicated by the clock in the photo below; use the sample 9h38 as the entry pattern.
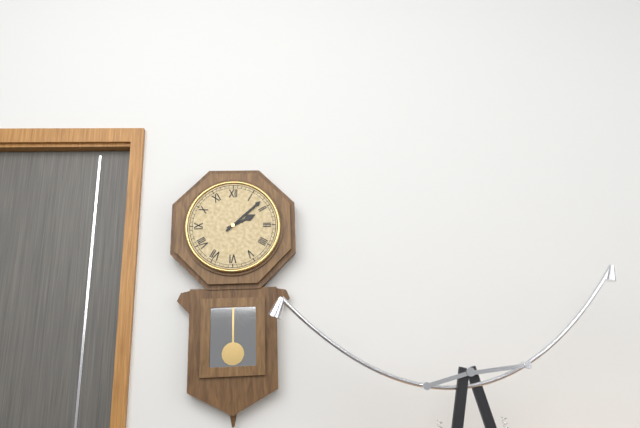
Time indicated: 2h08
